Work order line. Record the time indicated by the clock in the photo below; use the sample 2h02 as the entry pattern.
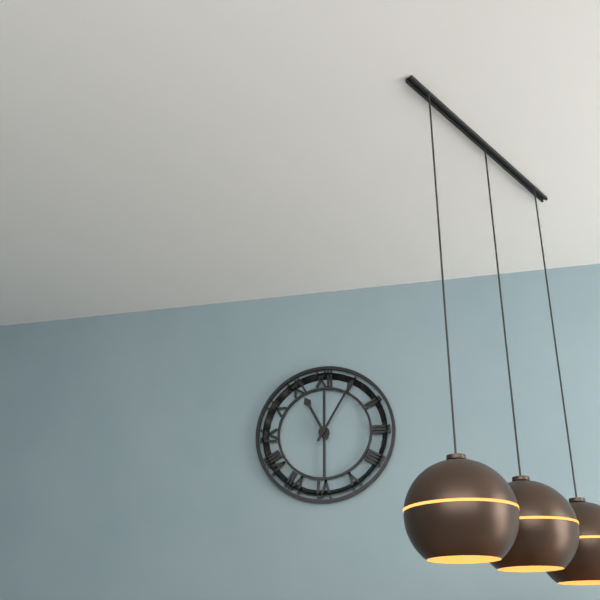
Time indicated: 11h05
